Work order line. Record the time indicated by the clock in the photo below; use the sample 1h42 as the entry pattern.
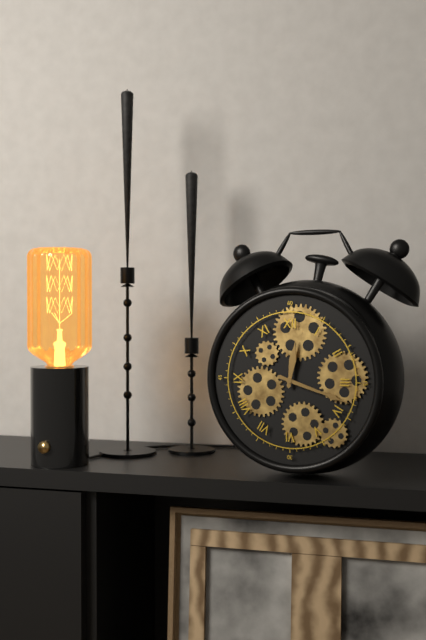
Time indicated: 12h18
